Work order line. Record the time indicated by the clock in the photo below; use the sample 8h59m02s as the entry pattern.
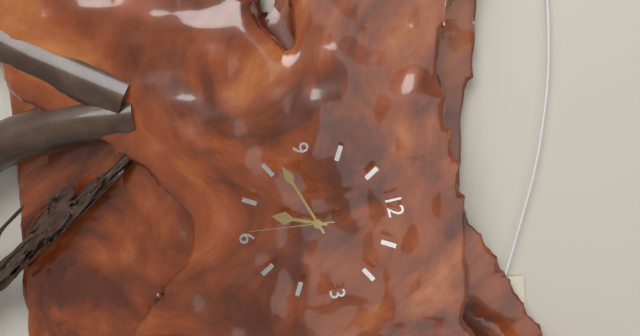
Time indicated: 6h42m31s
